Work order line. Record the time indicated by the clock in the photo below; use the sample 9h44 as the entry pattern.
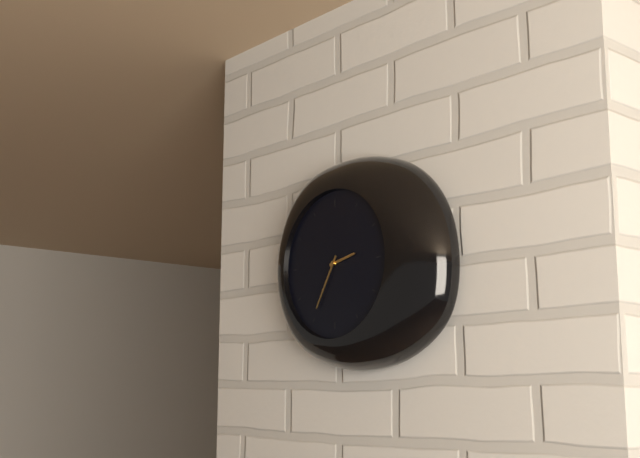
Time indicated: 2h35
